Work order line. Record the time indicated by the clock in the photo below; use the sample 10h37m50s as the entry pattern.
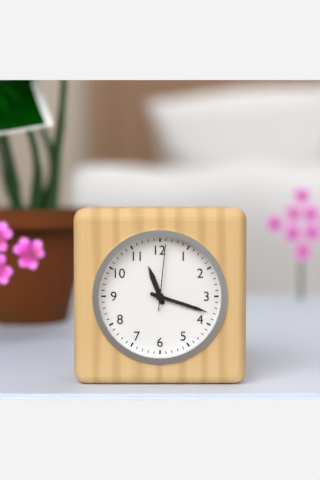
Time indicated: 11h18m01s
